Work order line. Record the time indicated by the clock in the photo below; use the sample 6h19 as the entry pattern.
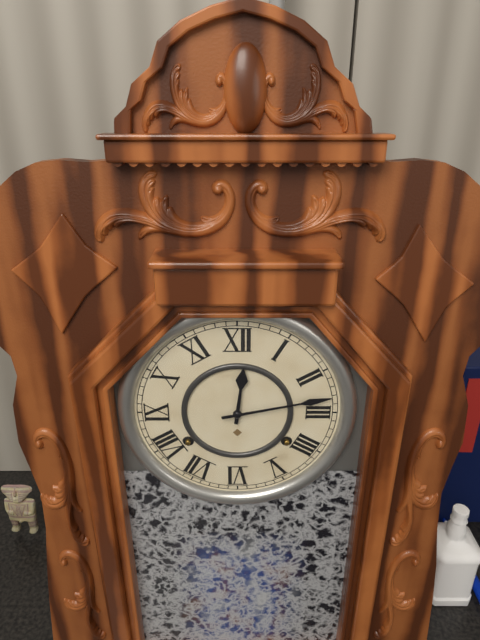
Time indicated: 12h13
